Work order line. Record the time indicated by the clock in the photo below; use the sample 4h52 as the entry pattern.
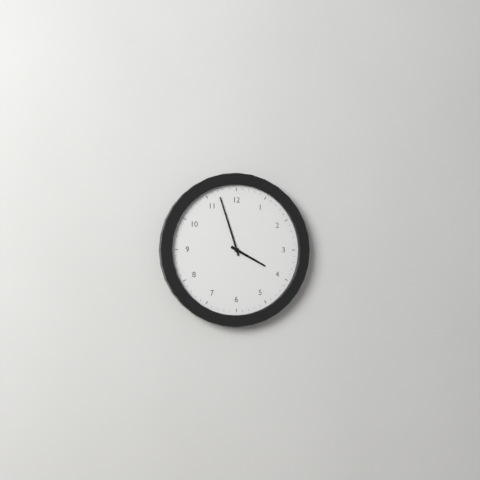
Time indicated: 3h57
